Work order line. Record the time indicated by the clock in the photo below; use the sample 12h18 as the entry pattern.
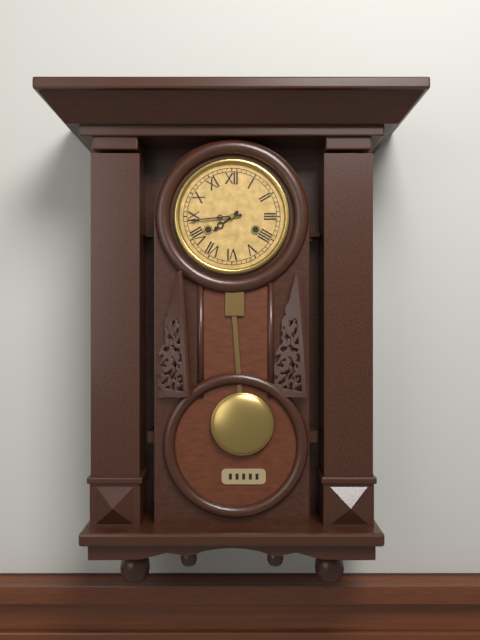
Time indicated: 7h44
